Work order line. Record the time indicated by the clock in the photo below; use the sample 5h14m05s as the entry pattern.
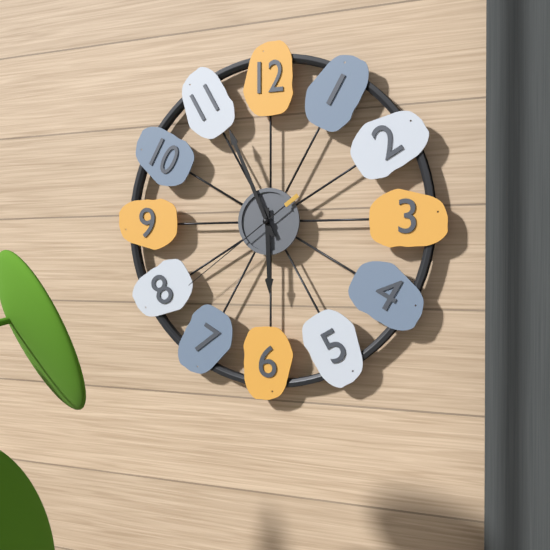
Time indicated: 5h56m39s
